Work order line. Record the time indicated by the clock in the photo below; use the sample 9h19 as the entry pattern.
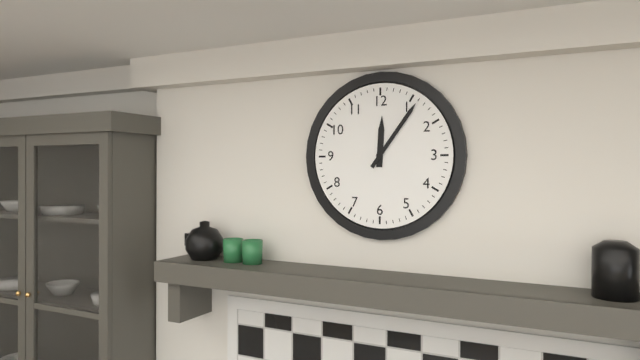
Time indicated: 12h06
